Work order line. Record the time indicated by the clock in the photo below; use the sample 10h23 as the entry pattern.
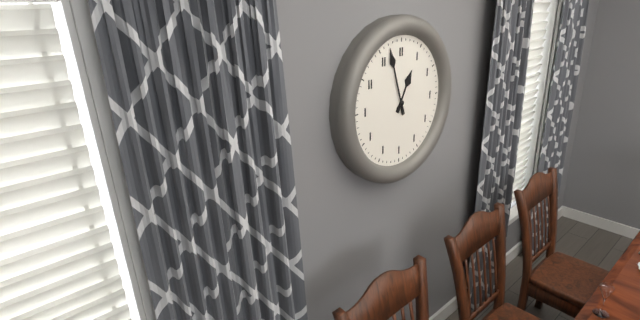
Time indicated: 12h57
